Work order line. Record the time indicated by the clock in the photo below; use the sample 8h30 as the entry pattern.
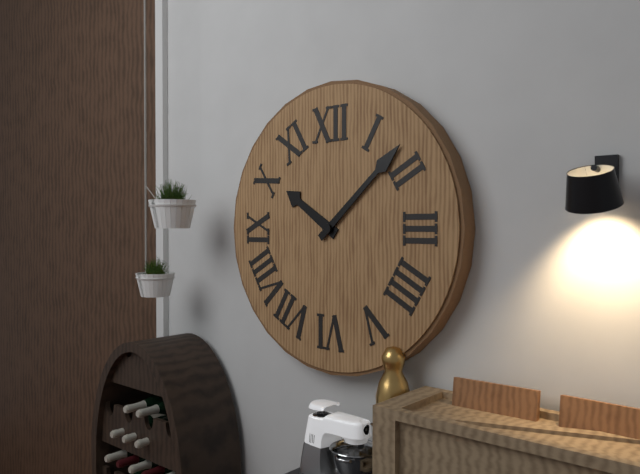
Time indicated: 10h08
